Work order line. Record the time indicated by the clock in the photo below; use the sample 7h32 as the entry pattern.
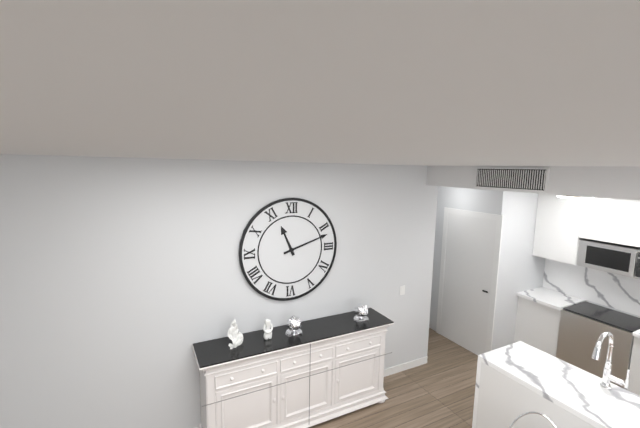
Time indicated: 11h12
